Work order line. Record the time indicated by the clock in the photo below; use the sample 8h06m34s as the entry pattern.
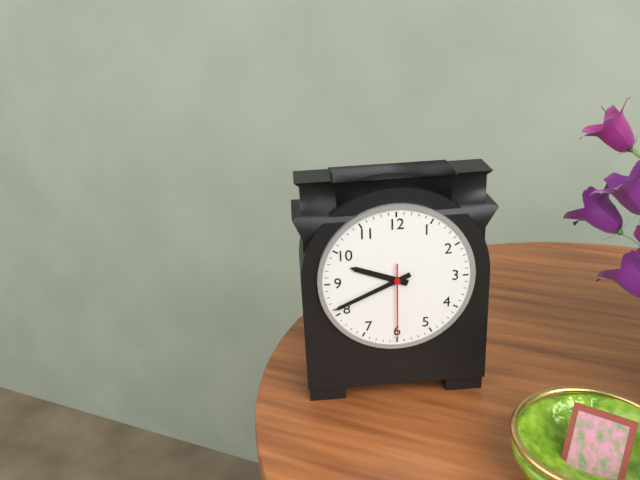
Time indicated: 9h41m30s
